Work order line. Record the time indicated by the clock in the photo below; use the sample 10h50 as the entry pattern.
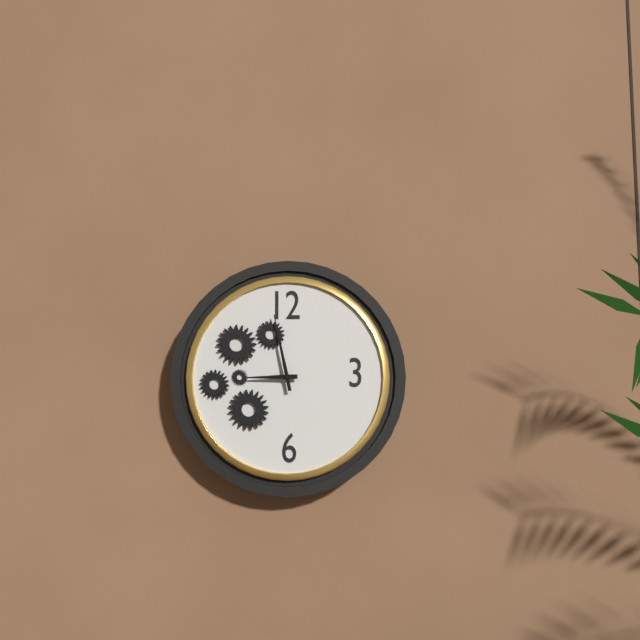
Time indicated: 8h58
